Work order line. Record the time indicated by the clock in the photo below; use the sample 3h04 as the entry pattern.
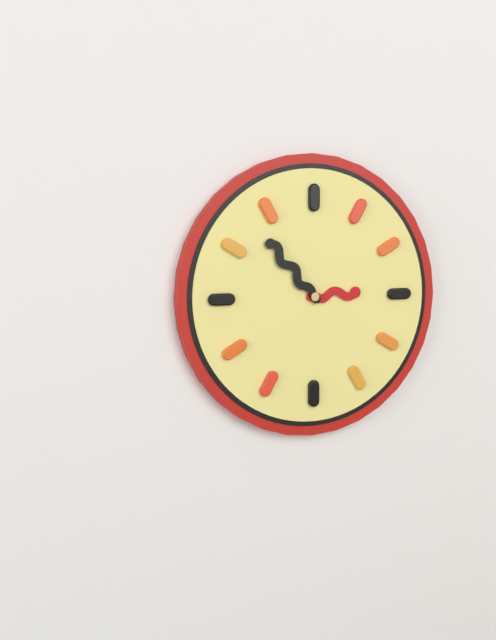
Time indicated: 2h53
